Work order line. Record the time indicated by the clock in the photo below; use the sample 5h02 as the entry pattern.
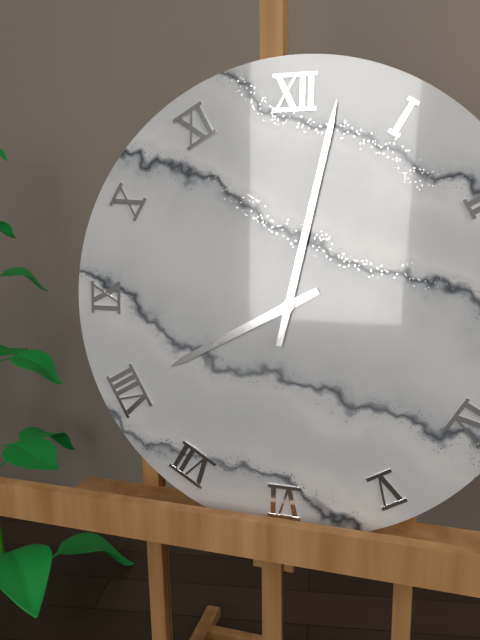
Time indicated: 8h02
